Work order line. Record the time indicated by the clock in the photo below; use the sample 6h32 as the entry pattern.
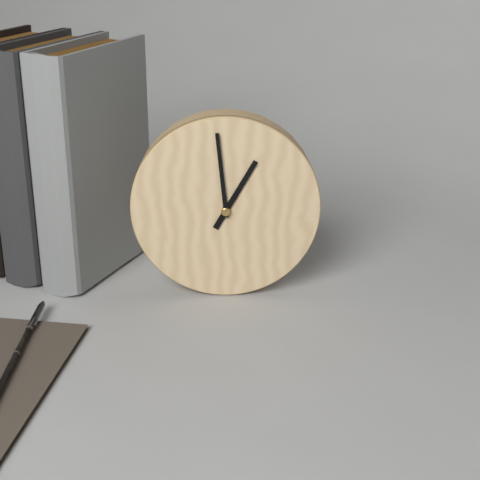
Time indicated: 12h59
